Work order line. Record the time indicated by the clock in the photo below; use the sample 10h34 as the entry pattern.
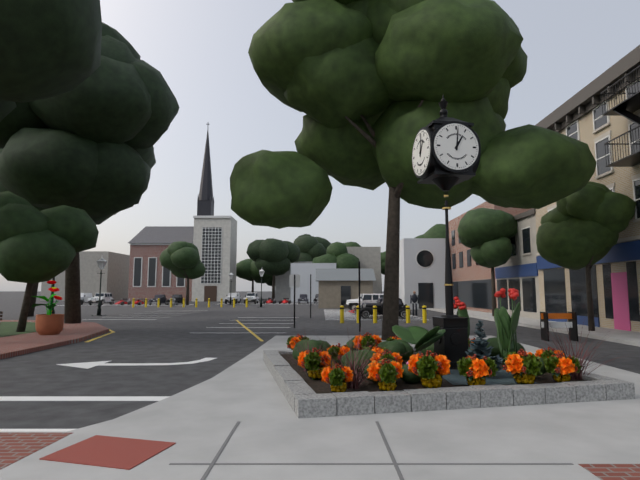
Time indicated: 1h01
